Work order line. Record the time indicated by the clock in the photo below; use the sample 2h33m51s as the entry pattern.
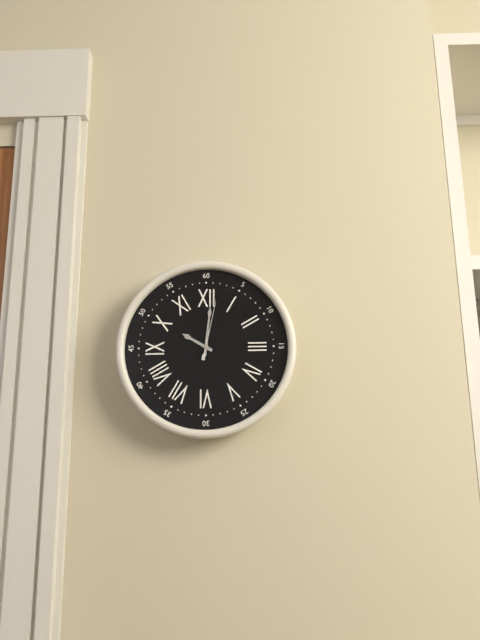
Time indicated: 10h01m02s
